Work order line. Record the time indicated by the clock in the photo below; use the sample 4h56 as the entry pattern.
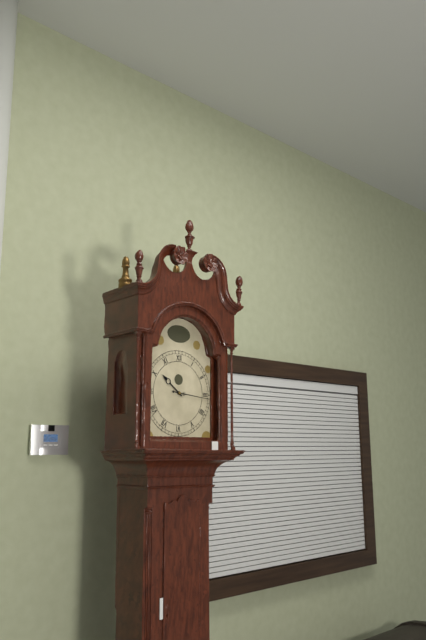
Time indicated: 10h16
